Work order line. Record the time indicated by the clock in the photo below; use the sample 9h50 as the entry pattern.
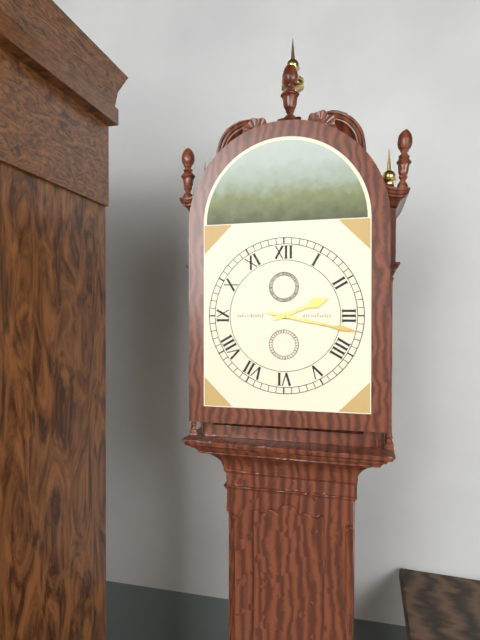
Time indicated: 2h17
